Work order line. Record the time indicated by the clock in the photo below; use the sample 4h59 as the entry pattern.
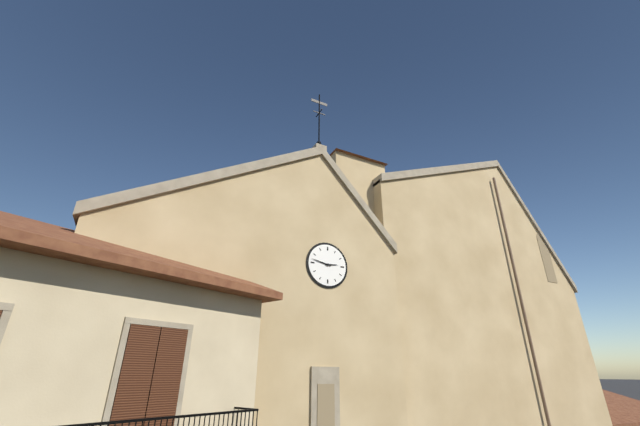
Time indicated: 2h47
